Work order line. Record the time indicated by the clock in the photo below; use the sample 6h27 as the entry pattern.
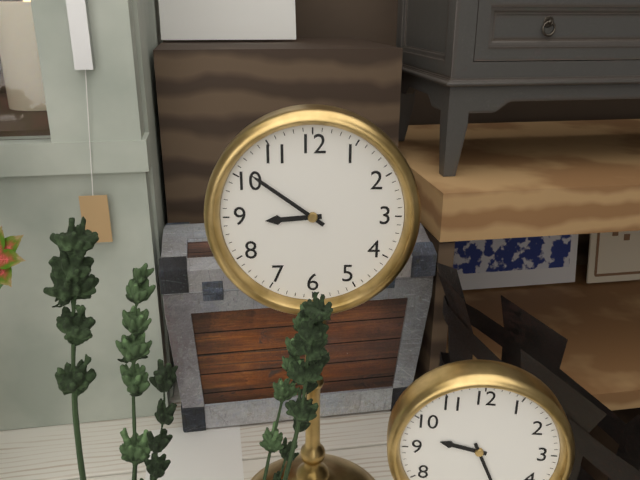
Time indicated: 8h51
